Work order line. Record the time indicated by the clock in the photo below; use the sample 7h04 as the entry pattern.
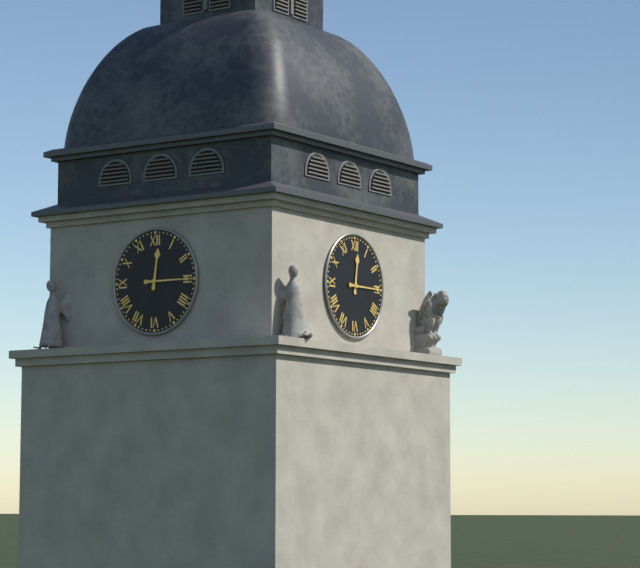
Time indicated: 12h15
